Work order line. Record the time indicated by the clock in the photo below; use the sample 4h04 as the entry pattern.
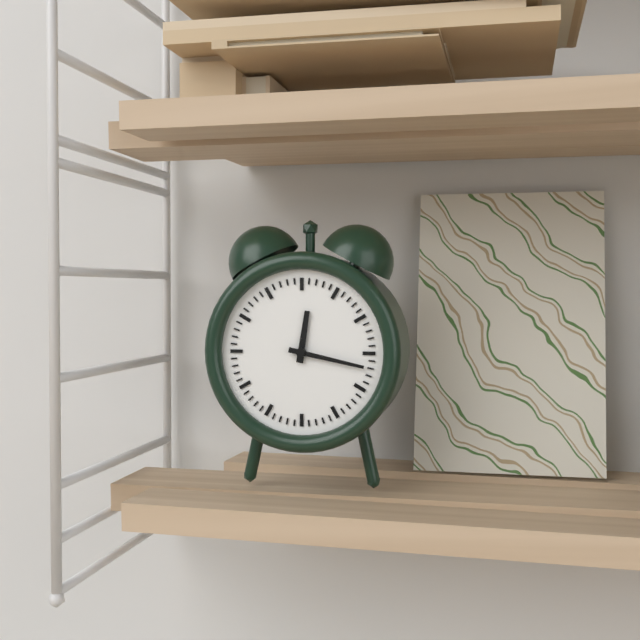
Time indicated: 12h17
